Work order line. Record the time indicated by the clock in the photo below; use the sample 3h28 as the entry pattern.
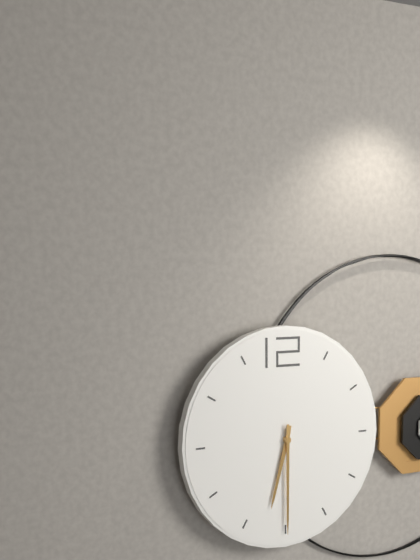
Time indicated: 6h30
